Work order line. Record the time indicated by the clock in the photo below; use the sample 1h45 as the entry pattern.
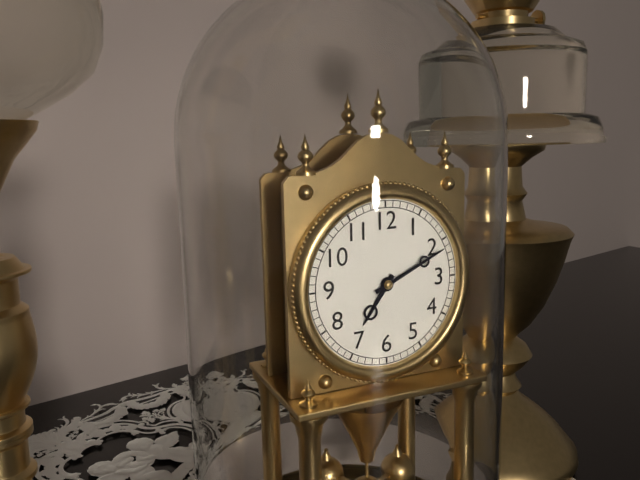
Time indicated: 7h11
